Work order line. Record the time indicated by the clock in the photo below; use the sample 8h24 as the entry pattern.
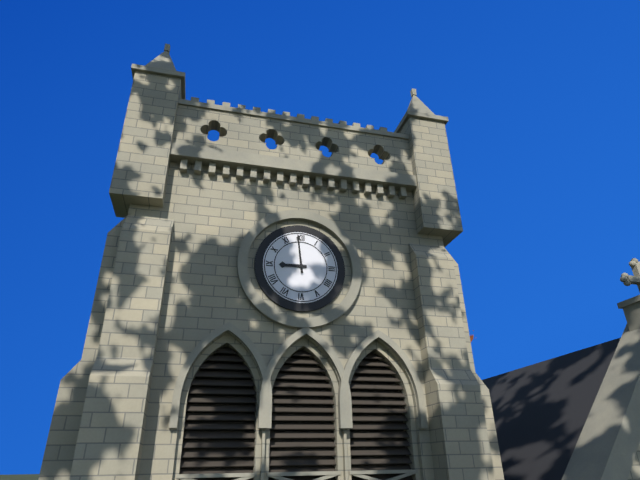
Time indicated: 8h59
